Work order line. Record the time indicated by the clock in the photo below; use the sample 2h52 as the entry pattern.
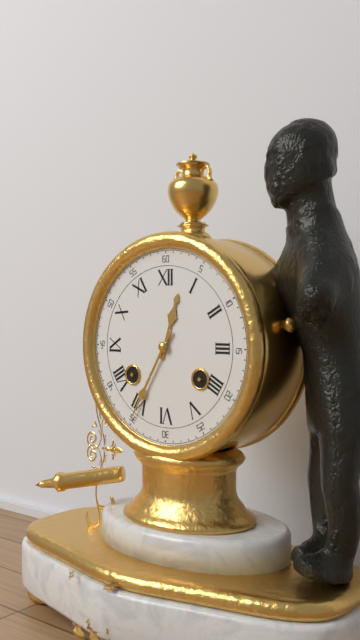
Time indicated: 12h35
